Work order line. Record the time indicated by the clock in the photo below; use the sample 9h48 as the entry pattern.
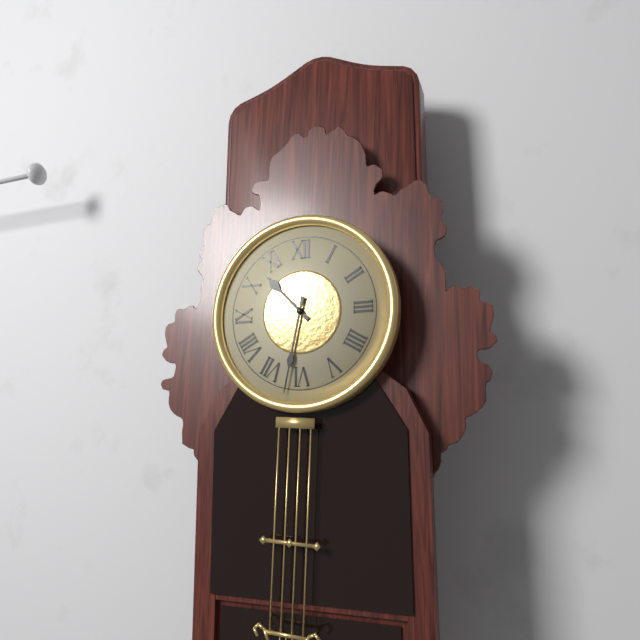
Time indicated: 10h32
